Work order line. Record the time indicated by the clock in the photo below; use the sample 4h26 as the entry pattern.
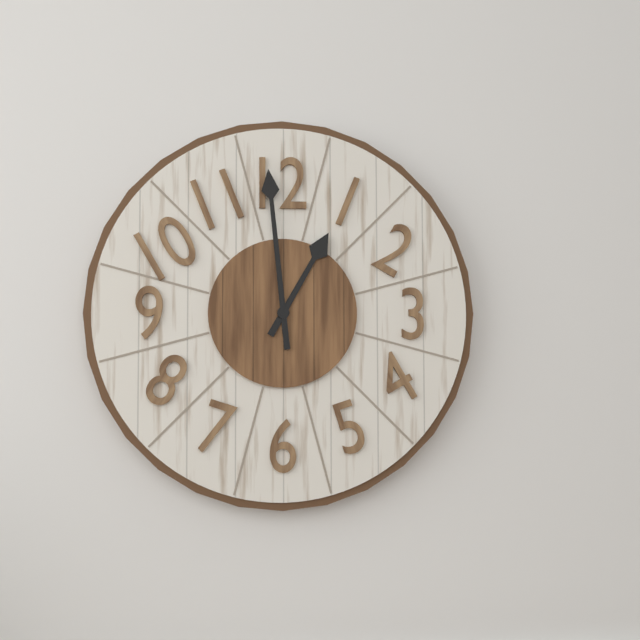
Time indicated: 12h59
